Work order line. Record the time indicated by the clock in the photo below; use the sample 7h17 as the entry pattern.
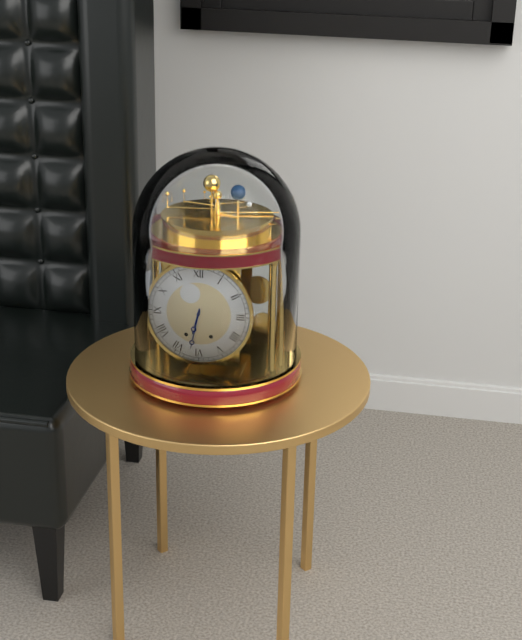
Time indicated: 6h32
